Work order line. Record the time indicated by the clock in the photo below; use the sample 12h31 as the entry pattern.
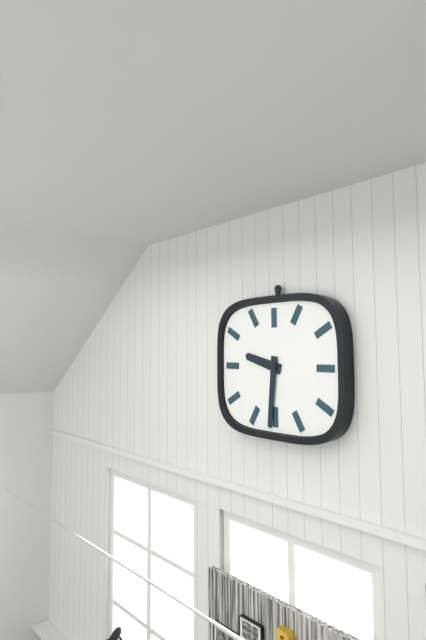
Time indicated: 9h31
